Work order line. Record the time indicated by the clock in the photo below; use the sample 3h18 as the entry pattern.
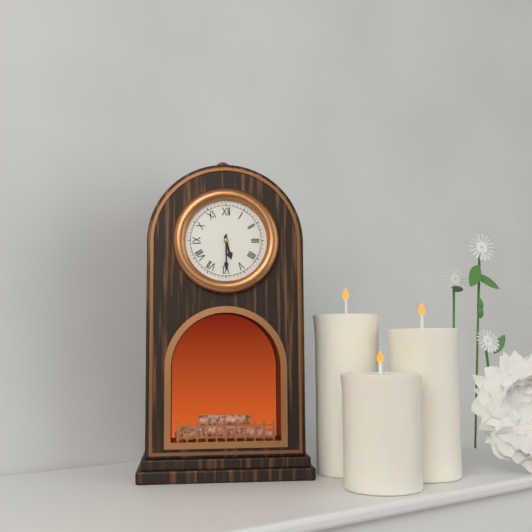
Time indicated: 5h30
